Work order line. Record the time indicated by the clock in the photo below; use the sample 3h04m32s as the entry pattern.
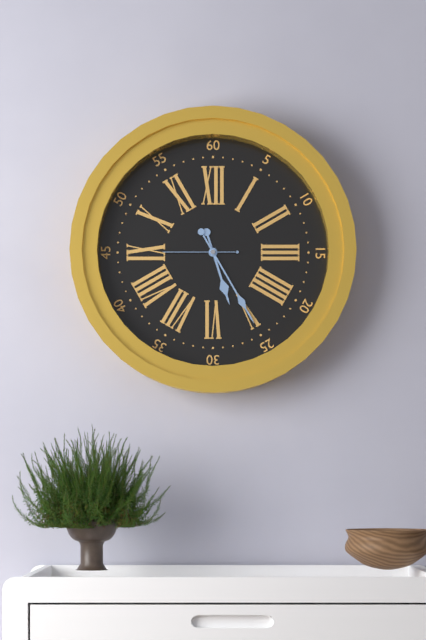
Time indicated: 5h25m45s
